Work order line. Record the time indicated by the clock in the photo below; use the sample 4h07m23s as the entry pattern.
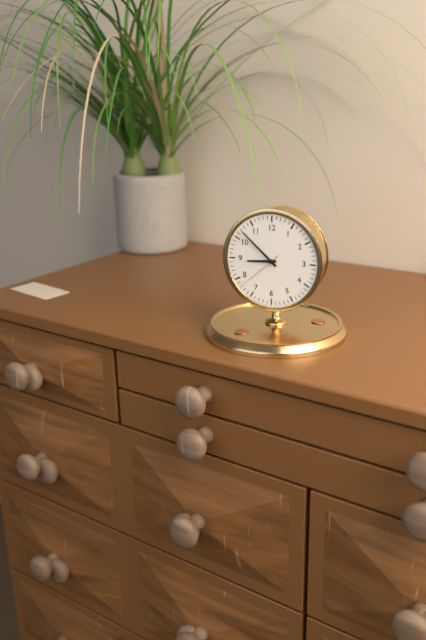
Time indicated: 8h52m38s
